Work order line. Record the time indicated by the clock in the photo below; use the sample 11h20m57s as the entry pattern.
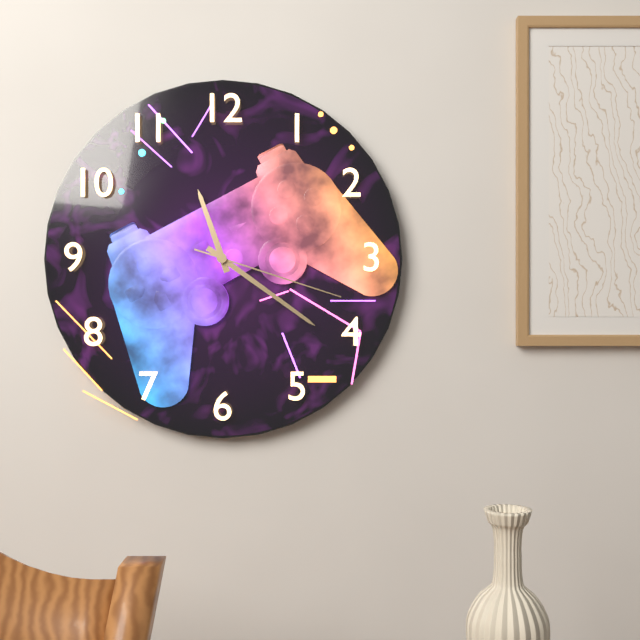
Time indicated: 11h21m18s
